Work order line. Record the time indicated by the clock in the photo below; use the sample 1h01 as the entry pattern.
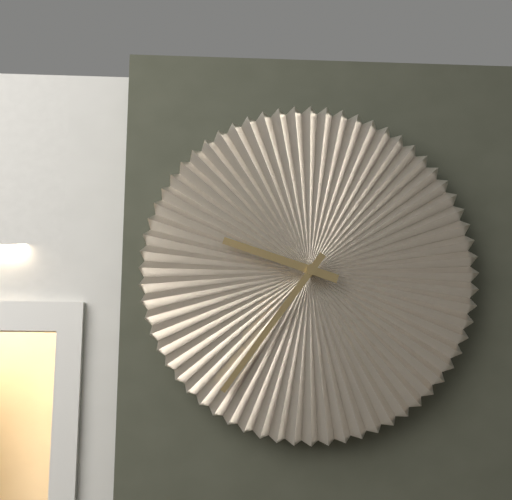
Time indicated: 9h36
